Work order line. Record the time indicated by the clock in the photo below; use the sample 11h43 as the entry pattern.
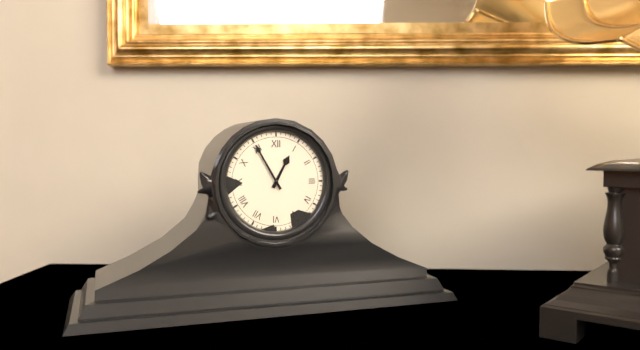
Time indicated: 12h55
